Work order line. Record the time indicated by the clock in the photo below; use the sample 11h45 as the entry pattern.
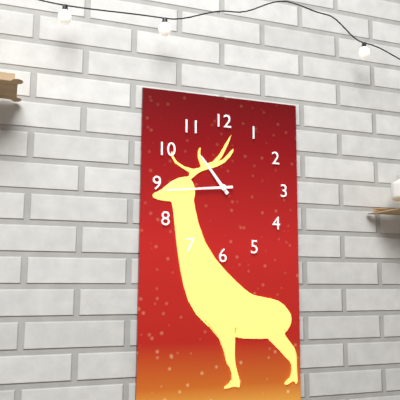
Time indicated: 10h44
